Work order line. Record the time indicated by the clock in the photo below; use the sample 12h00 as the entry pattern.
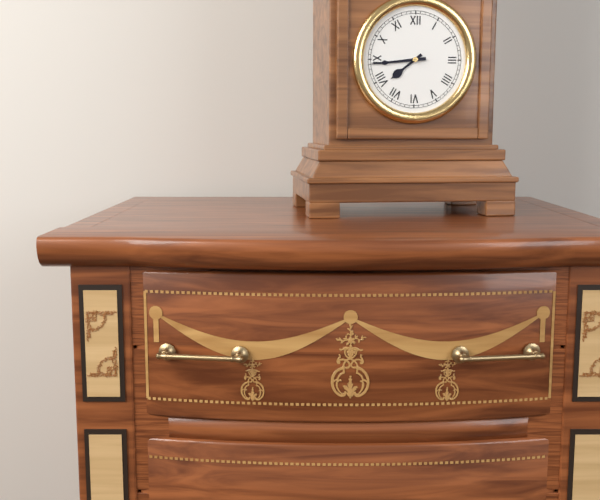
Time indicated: 7h44
